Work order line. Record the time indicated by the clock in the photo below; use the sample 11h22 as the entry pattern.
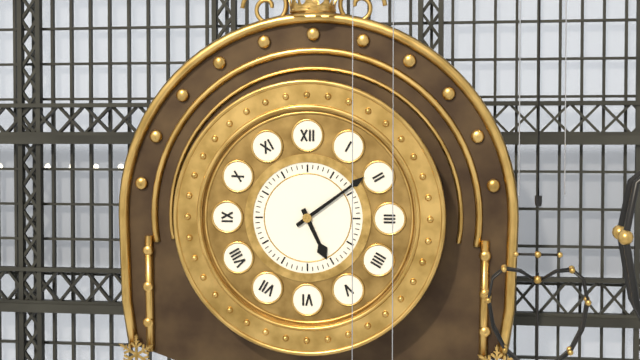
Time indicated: 5h09
